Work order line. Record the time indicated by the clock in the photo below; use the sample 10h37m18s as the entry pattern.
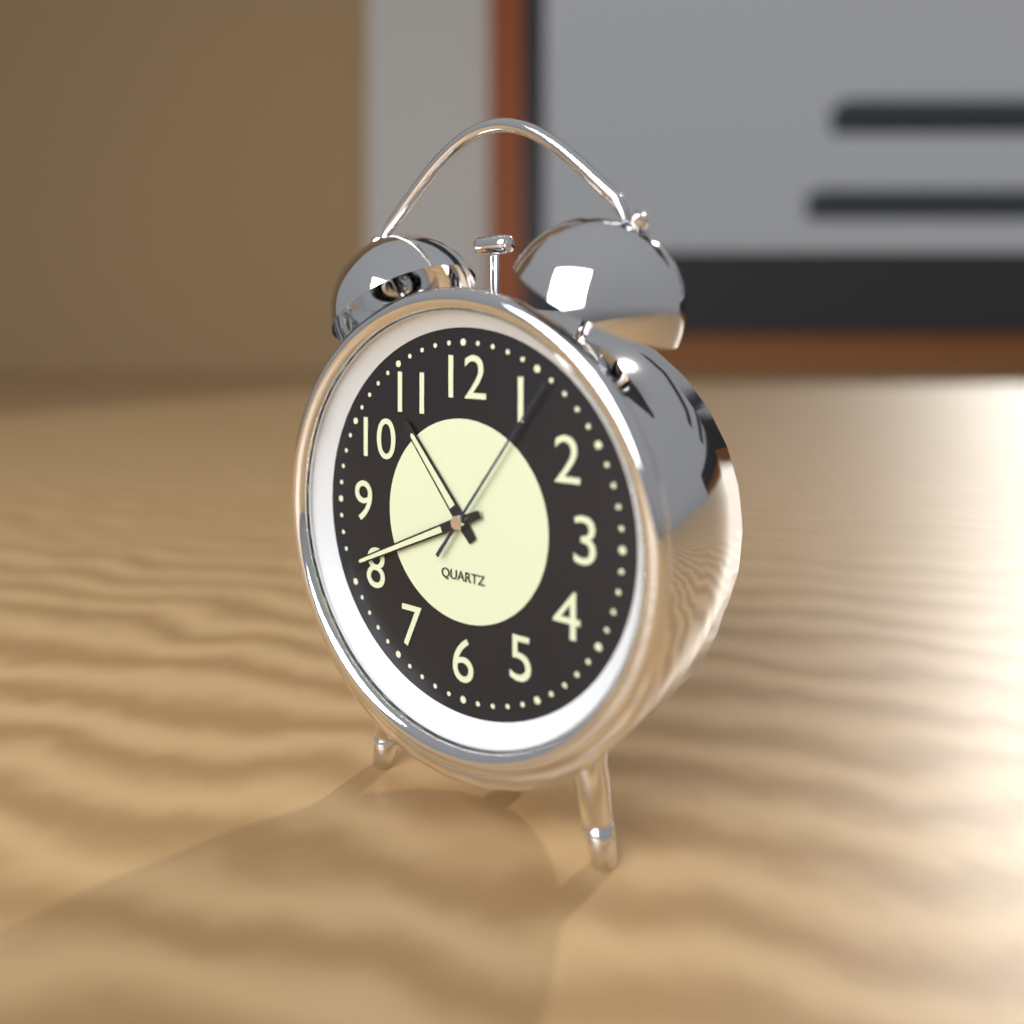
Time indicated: 10h41m06s
